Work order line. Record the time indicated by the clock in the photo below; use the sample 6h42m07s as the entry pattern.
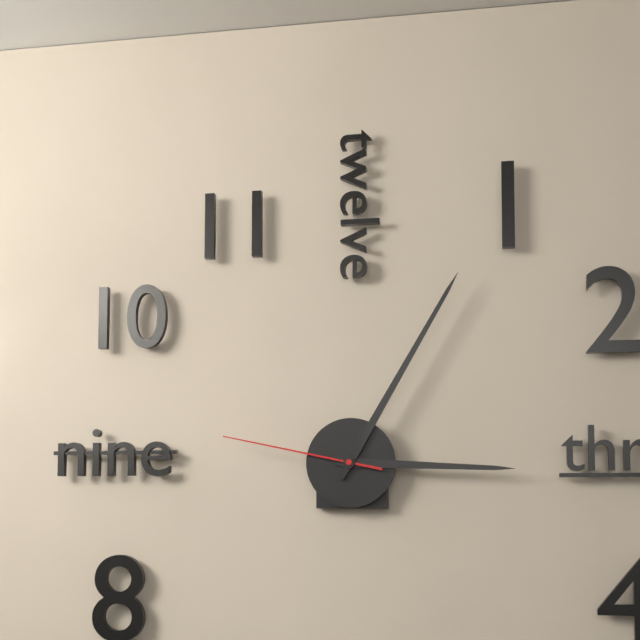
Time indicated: 3h05m47s
